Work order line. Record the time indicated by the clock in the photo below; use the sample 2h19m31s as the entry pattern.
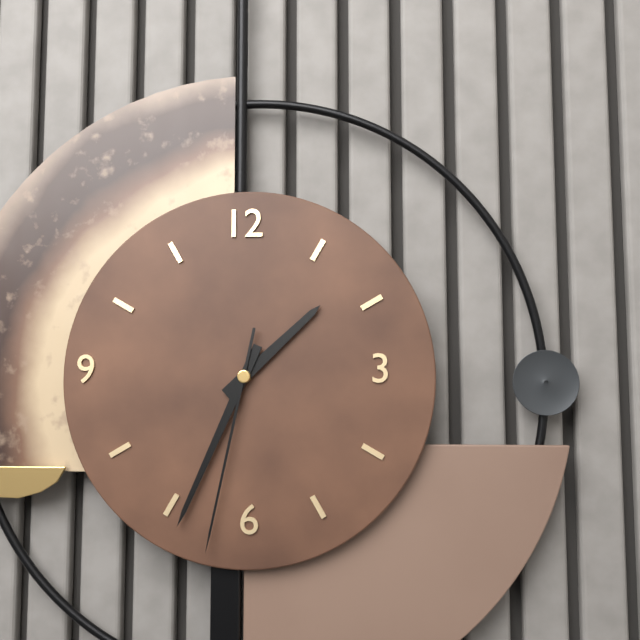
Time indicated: 1h34m32s
